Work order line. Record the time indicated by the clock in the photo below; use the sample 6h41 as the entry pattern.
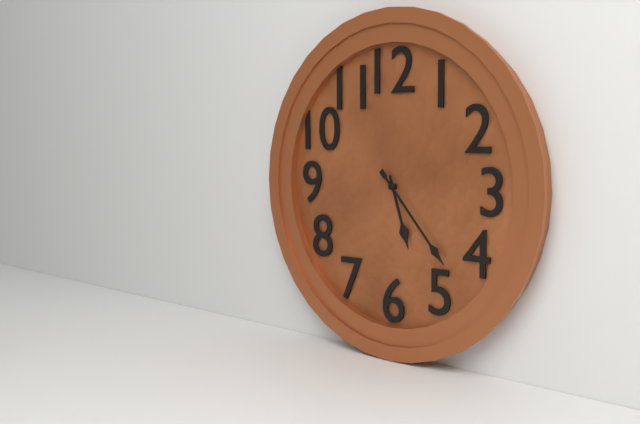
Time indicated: 5h23
